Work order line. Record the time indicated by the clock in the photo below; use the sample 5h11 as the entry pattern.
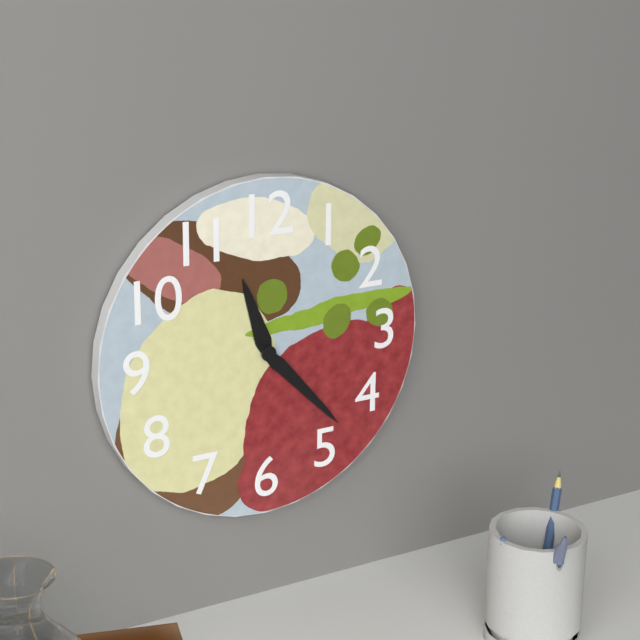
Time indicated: 11h23
